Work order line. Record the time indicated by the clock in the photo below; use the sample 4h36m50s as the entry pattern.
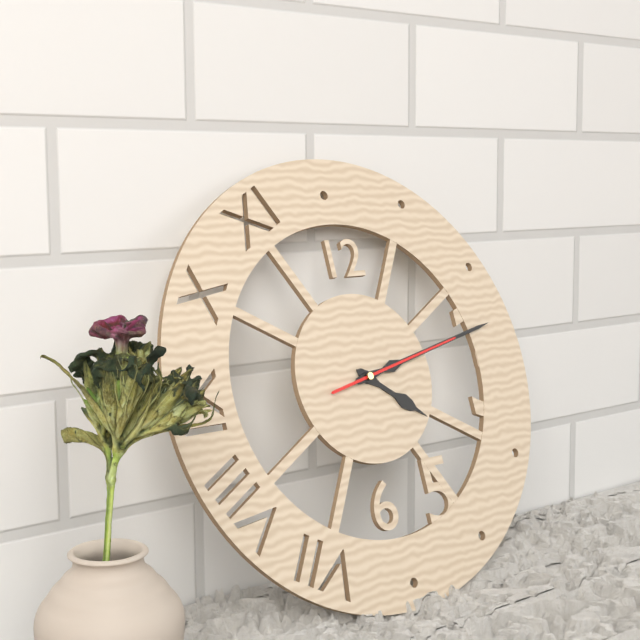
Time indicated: 4h13m13s
